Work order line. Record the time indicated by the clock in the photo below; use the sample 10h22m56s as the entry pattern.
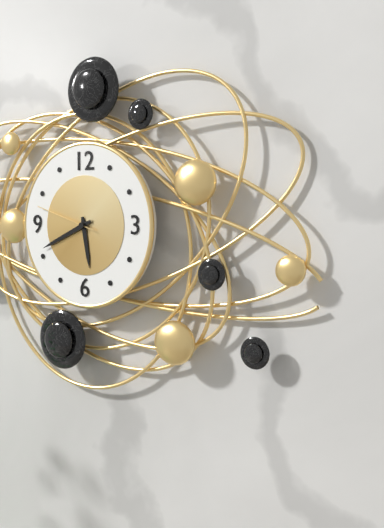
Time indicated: 5h41m48s
